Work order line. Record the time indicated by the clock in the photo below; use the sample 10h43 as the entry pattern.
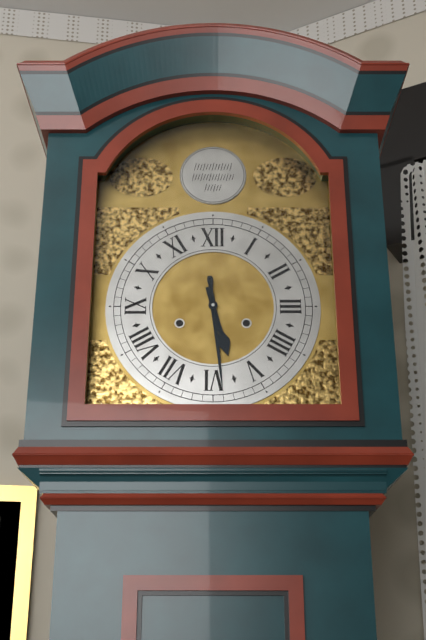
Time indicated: 5h29
